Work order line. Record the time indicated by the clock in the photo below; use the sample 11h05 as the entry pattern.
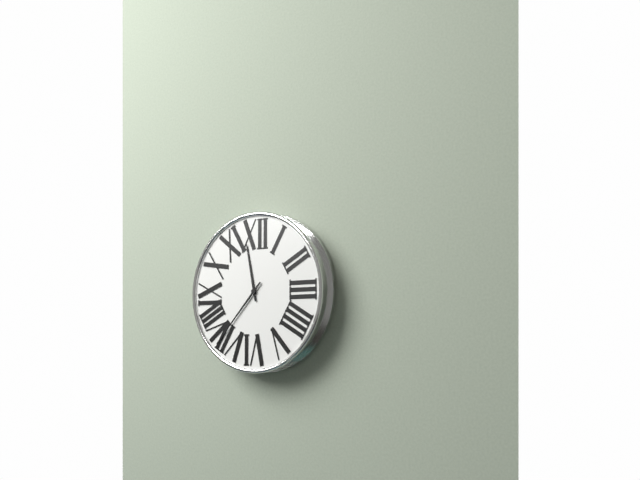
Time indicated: 11h37
